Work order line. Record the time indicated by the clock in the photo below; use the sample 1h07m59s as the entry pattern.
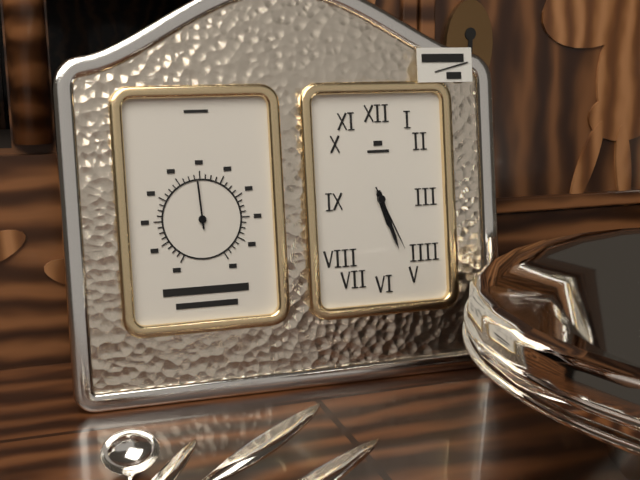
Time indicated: 5h27m26s
